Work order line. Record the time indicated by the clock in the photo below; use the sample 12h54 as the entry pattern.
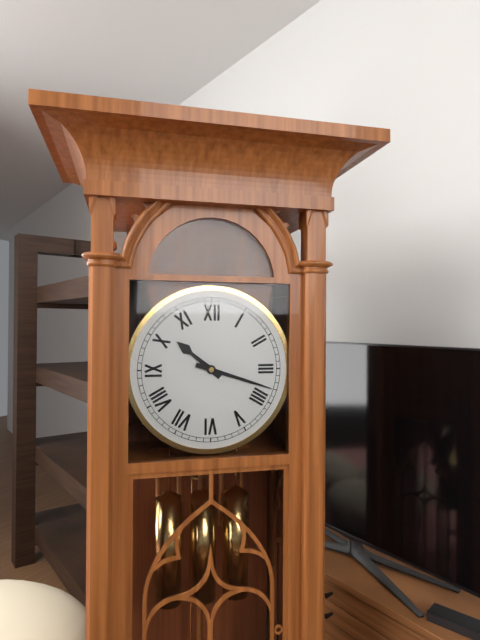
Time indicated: 10h18
